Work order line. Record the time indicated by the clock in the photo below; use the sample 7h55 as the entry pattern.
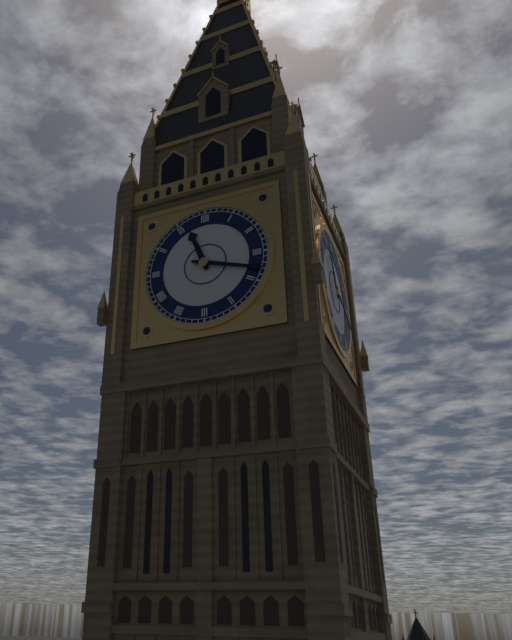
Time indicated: 11h18
